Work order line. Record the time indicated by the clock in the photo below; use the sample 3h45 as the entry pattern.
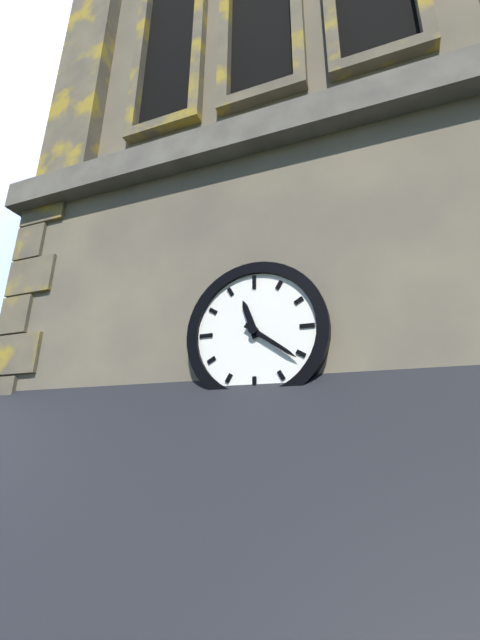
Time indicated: 11h21
